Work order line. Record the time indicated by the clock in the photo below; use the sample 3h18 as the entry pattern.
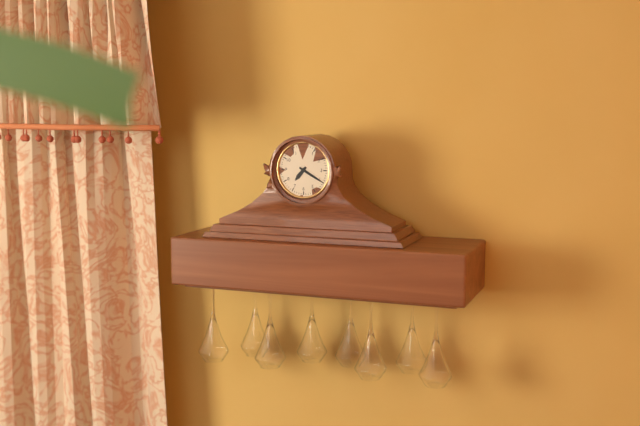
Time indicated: 7h20
